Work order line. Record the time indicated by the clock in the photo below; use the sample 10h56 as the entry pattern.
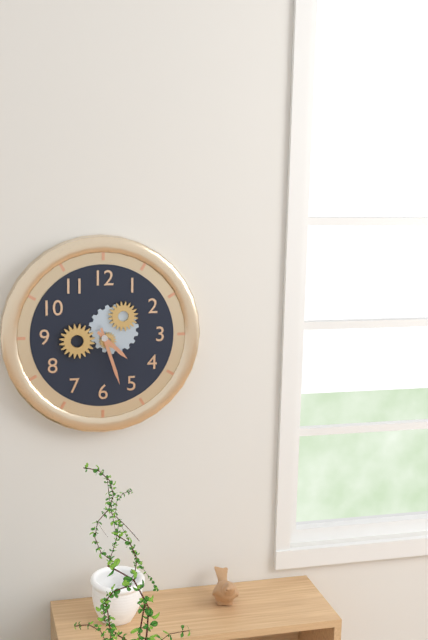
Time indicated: 4h27
